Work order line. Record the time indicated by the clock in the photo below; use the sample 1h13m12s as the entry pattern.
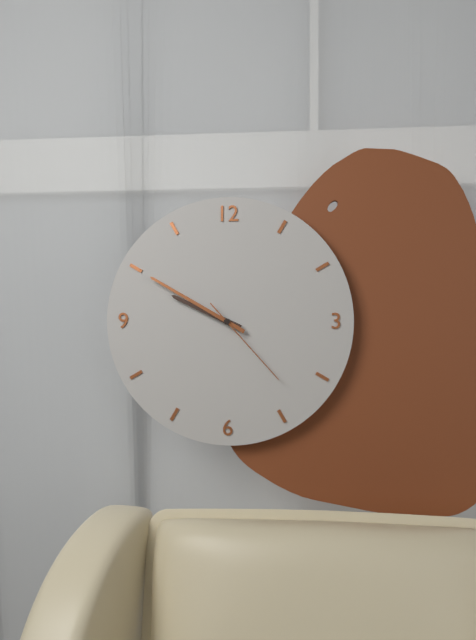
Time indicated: 9h50m23s
